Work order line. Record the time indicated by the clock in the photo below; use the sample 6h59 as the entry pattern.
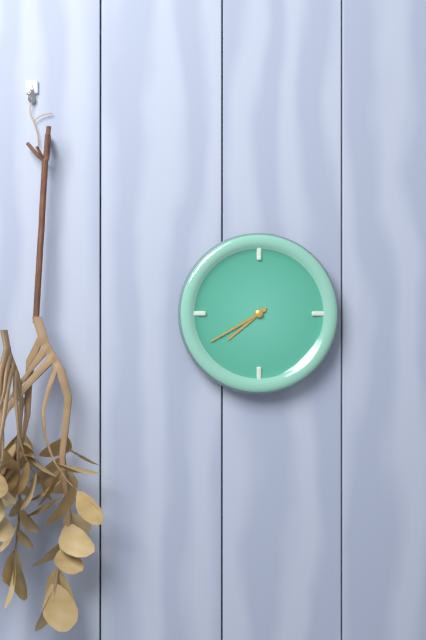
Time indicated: 7h40
